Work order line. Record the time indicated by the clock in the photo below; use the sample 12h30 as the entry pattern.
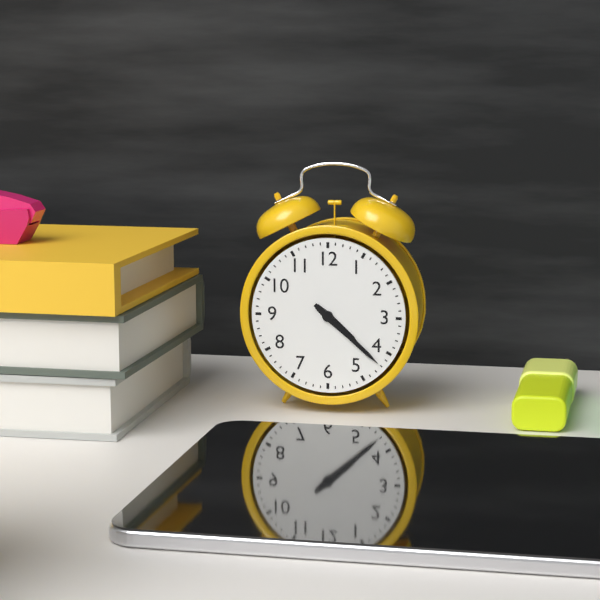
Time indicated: 4h22
